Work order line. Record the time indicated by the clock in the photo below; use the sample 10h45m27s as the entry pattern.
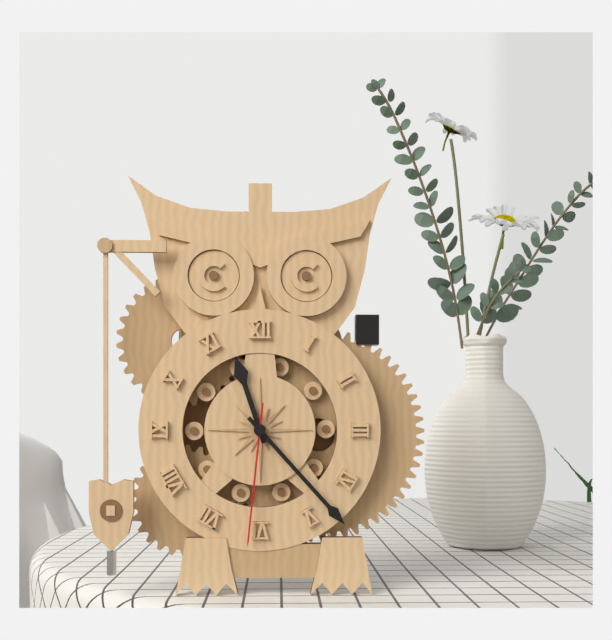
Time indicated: 11h23m31s
